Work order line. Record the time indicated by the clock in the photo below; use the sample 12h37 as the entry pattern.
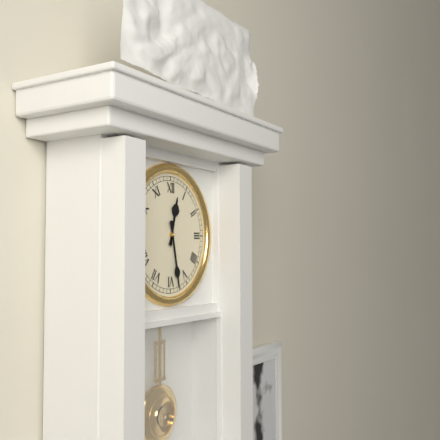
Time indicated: 12h28
